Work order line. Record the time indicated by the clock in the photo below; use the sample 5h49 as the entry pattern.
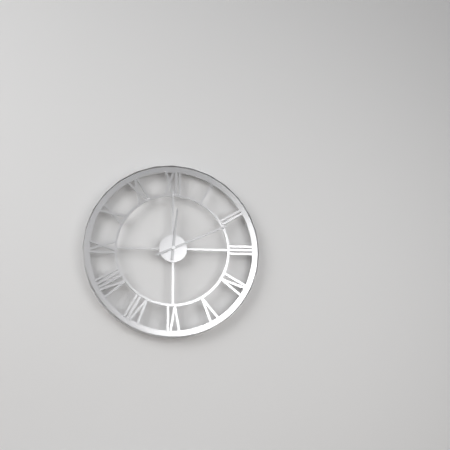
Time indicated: 12h11
